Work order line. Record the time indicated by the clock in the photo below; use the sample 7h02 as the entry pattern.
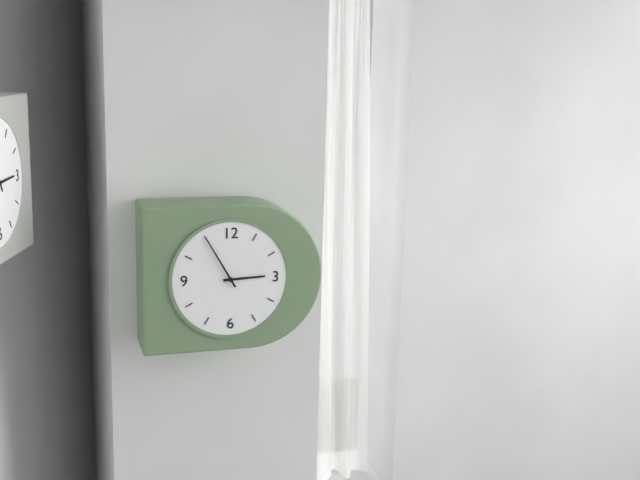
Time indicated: 2h55
